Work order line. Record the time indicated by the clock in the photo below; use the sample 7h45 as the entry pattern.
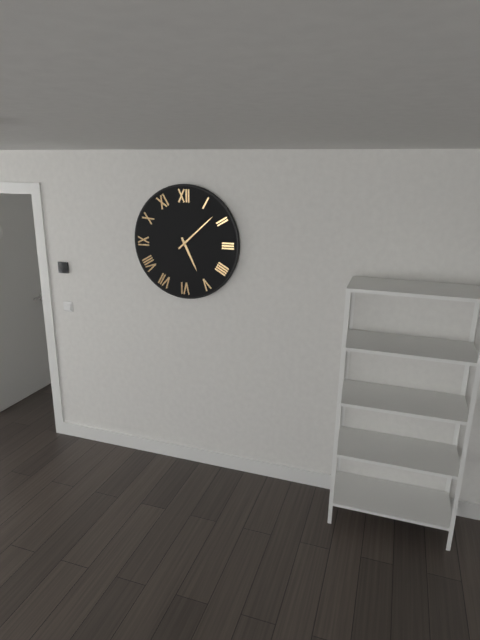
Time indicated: 5h08
